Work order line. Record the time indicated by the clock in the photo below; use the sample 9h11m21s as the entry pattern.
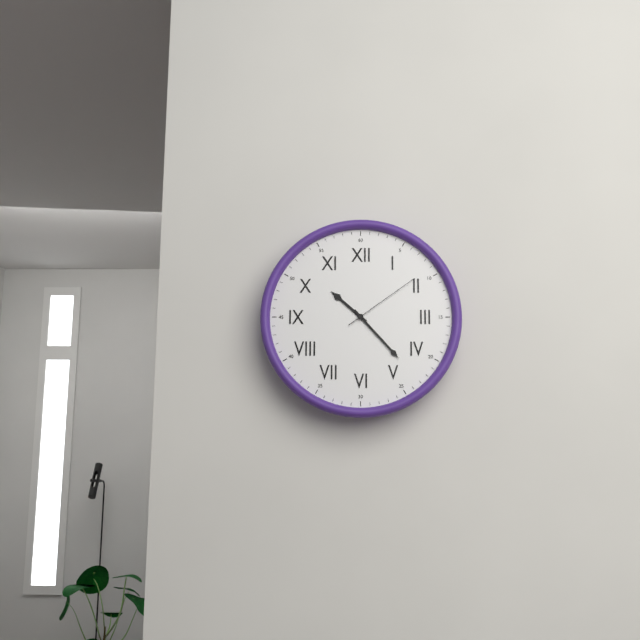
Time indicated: 10h23m09s
